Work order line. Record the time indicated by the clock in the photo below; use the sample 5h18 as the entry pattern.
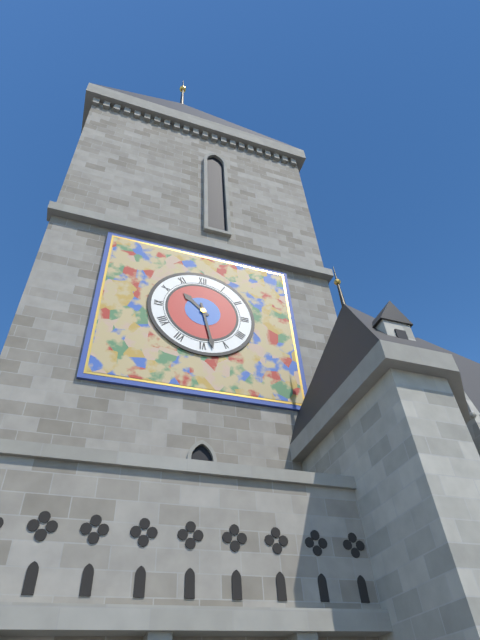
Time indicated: 10h28
